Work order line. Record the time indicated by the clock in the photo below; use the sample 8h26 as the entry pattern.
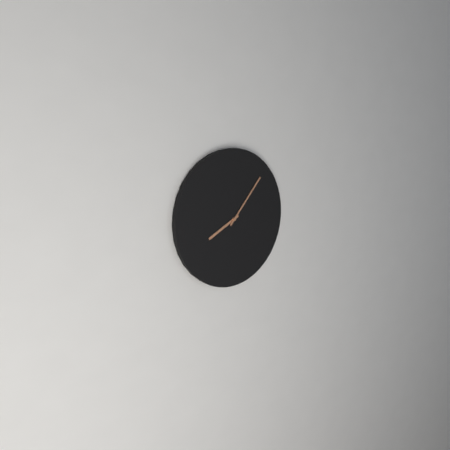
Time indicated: 8h07
